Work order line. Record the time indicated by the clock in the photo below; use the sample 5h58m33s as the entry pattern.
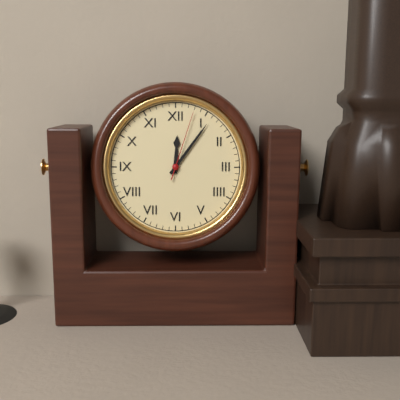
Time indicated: 12h06m03s
